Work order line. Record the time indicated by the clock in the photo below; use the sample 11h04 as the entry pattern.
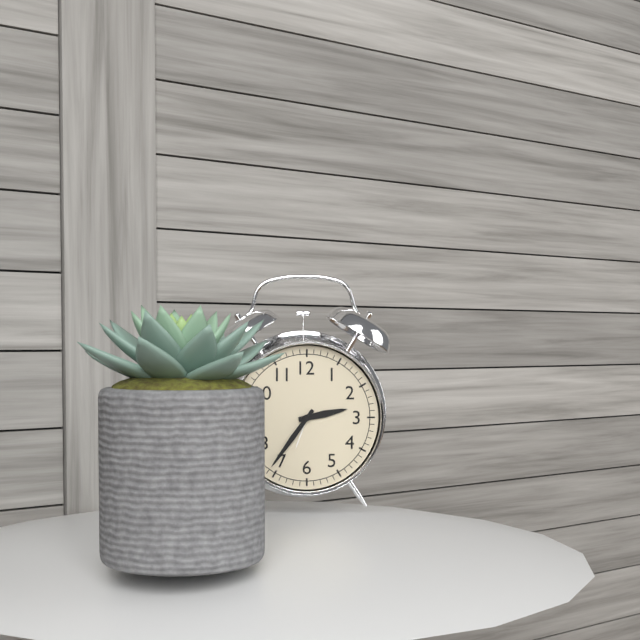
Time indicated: 2h36
